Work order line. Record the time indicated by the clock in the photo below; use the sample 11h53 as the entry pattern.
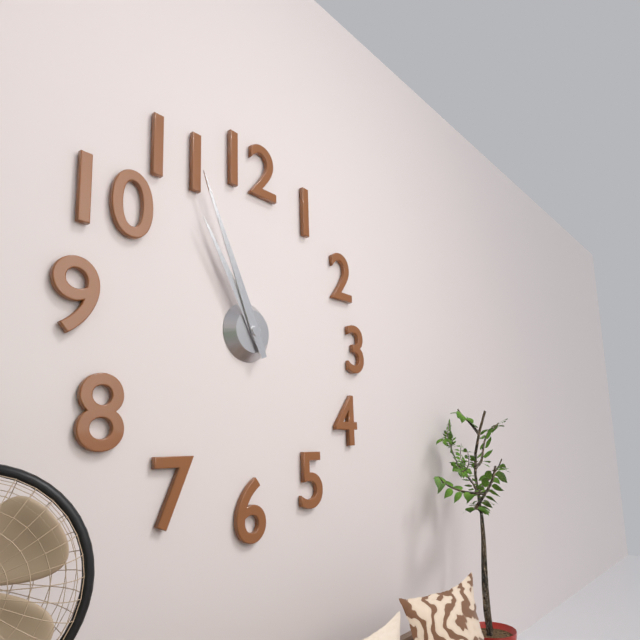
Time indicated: 10h56
